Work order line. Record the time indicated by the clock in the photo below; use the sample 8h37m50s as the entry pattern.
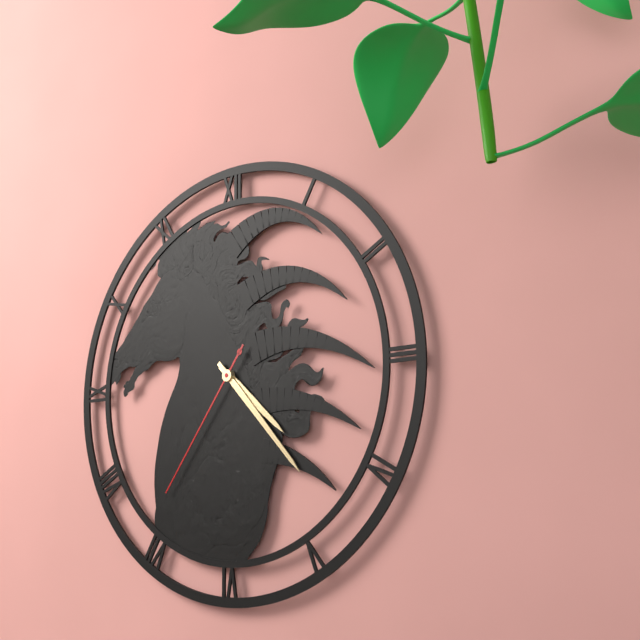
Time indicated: 4h23m36s
